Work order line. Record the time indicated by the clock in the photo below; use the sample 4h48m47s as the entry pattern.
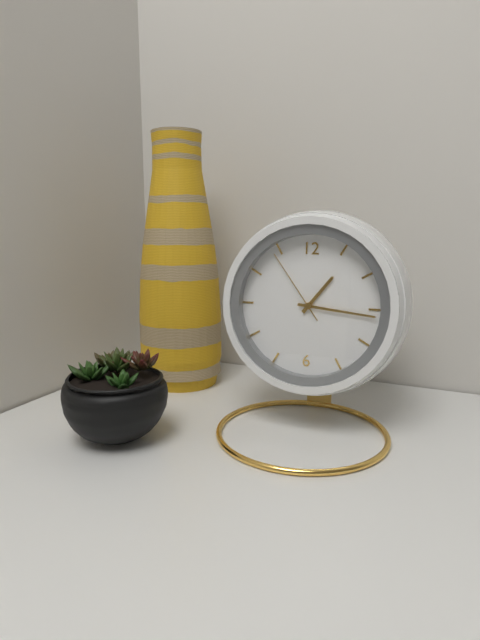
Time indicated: 1h16m54s
